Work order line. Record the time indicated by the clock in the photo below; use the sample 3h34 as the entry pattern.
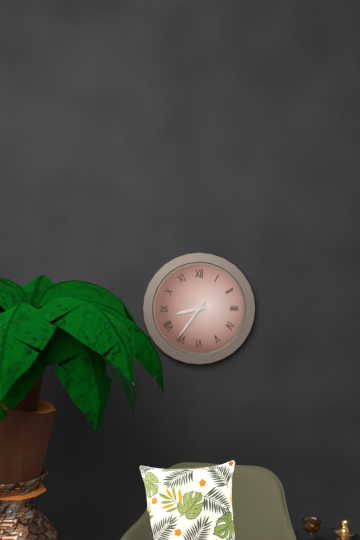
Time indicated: 8h36
